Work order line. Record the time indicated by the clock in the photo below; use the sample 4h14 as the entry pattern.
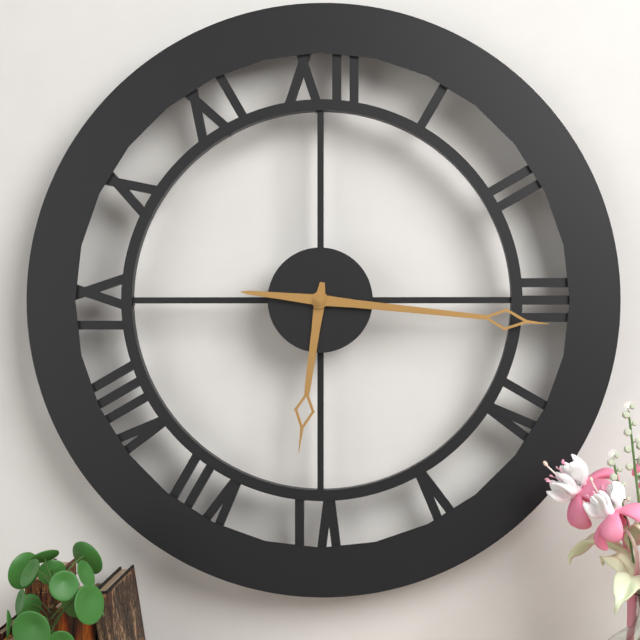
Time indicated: 6h16
